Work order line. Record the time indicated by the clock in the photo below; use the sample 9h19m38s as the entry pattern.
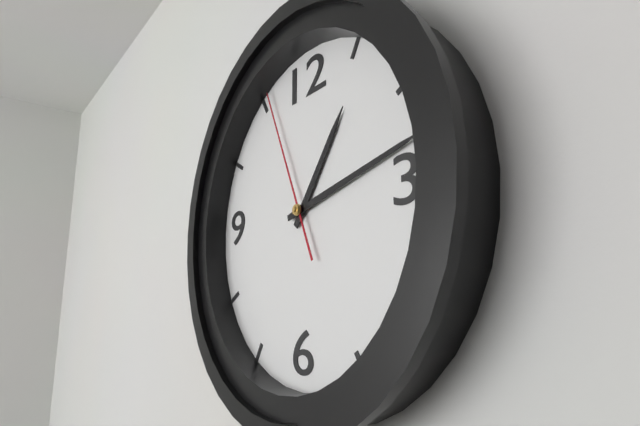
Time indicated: 1h13m56s
